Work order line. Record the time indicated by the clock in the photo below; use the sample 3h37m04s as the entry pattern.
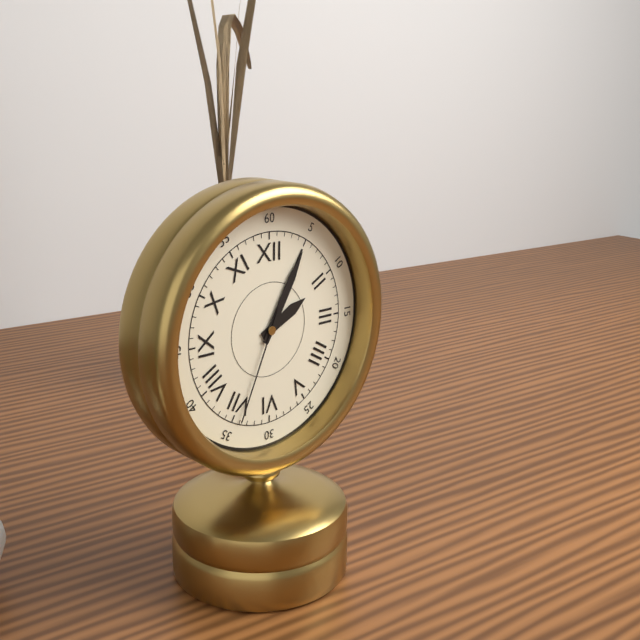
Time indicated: 2h05m34s
